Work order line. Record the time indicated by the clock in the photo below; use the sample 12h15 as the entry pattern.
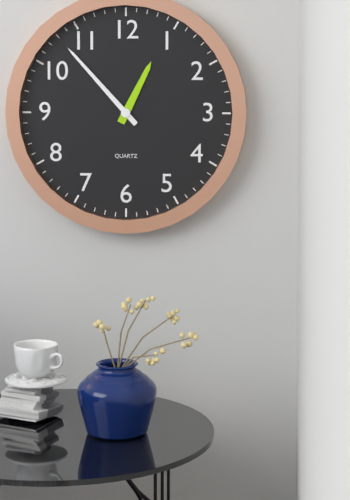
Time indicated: 12h53
